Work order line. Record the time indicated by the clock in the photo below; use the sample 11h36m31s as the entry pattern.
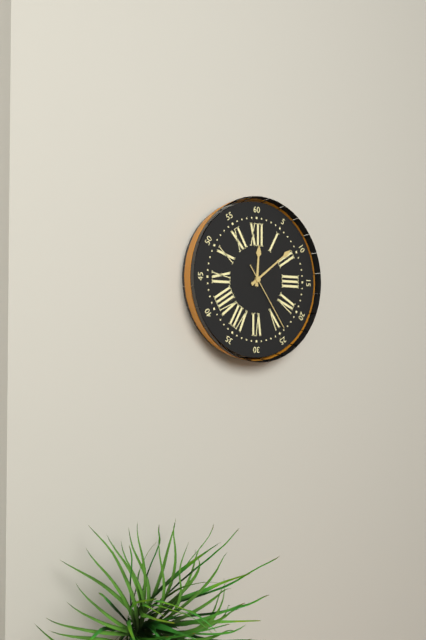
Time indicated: 12h09m24s
